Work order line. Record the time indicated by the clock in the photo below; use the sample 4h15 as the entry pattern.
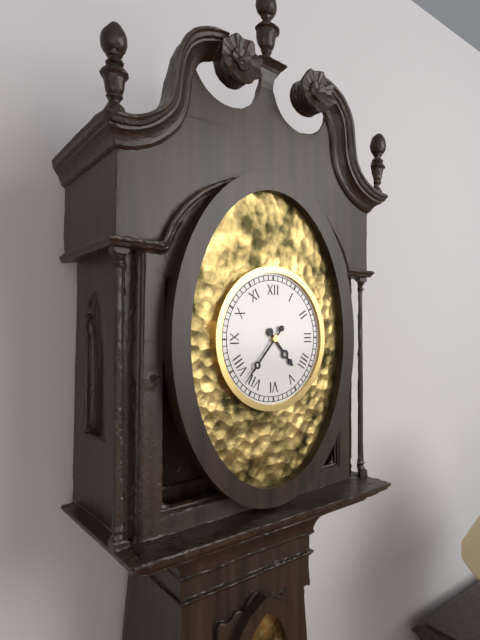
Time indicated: 4h37
